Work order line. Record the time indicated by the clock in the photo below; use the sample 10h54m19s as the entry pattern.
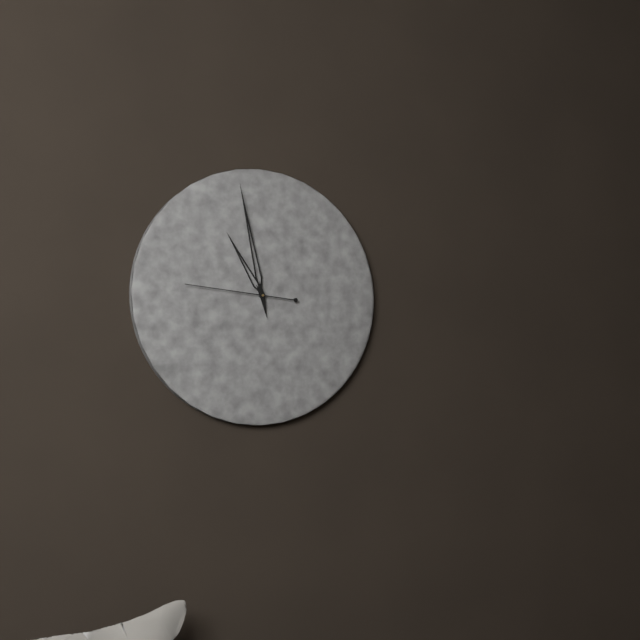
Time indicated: 10h58m46s
